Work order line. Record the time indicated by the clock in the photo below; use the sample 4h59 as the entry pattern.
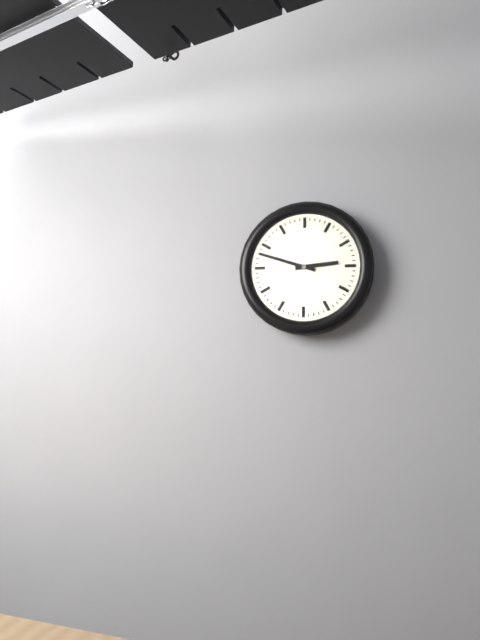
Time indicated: 2h48
